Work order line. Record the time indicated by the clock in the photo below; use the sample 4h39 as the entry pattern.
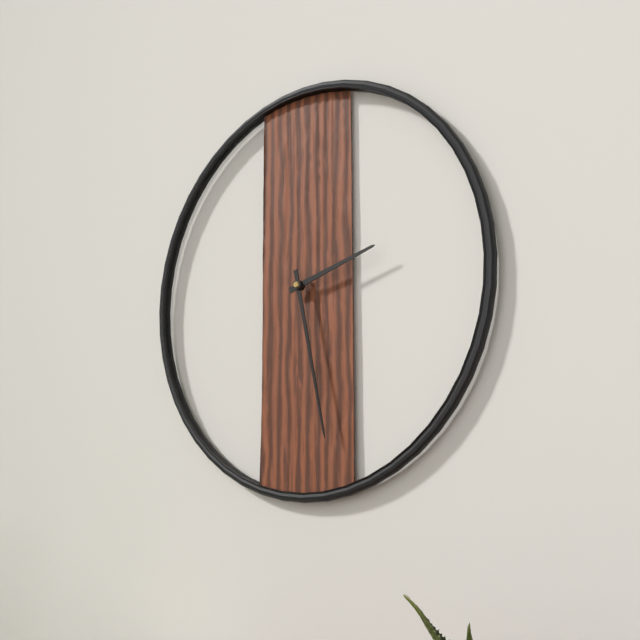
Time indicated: 2h28
